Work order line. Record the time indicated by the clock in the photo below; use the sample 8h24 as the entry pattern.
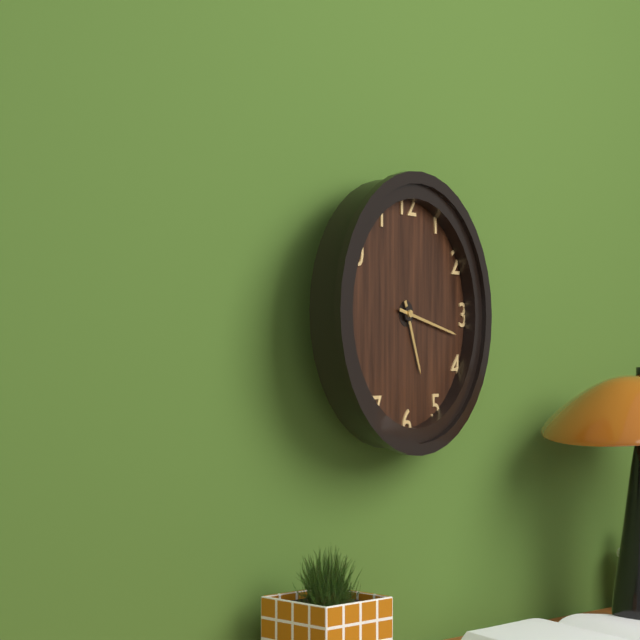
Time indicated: 5h17
